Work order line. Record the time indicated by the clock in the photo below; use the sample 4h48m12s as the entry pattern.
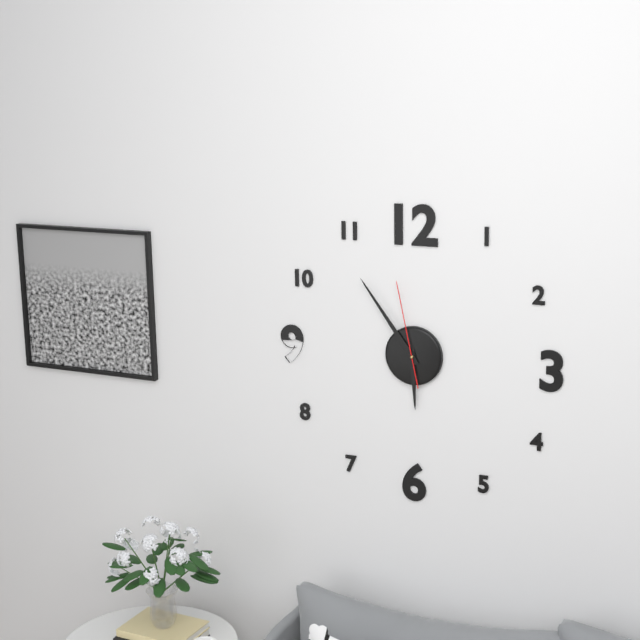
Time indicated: 5h54m58s
